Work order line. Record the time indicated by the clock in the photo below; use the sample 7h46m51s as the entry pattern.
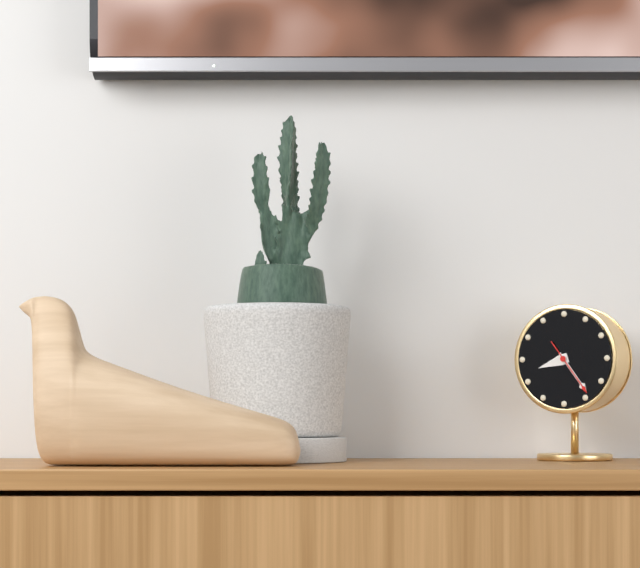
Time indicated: 8h24m24s
